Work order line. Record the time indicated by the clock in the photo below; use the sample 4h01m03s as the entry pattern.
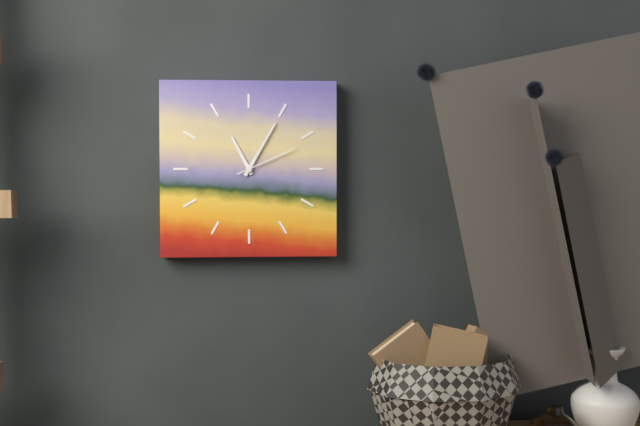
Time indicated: 11h05m11s
